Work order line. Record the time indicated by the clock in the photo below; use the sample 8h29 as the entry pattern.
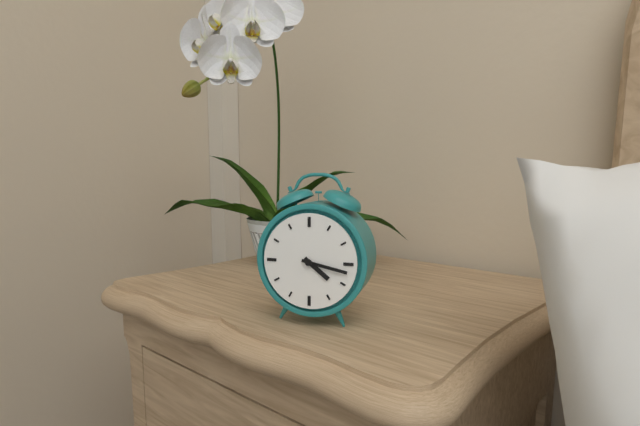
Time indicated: 4h17
